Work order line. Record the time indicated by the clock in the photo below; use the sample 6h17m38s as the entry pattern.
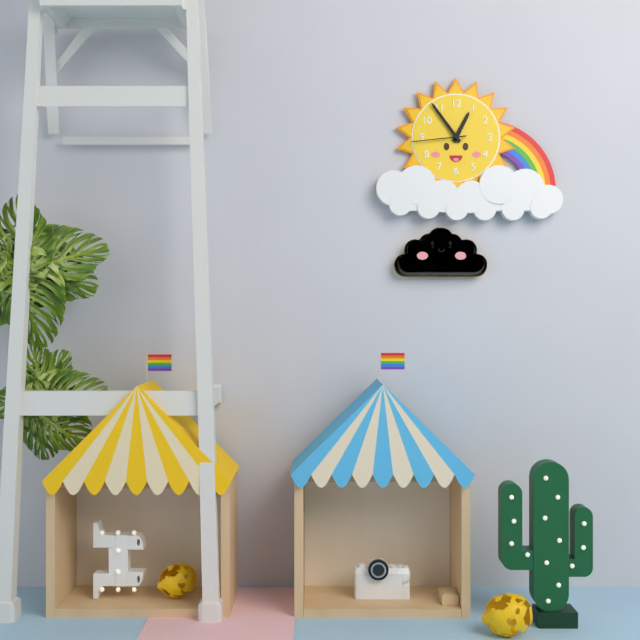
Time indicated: 12h54m44s
